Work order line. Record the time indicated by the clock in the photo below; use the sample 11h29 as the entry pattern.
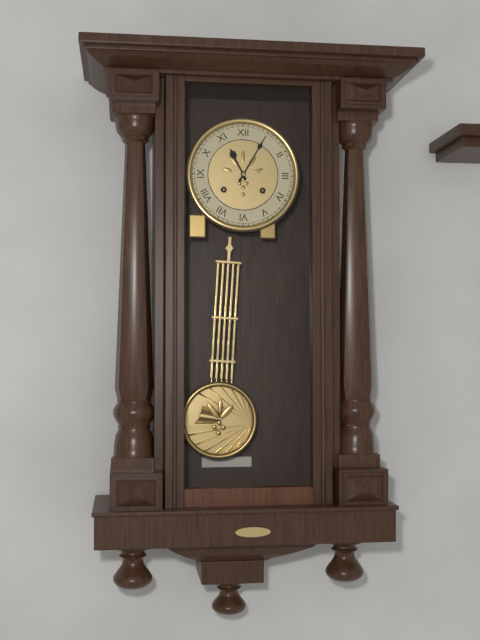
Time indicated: 11h05
